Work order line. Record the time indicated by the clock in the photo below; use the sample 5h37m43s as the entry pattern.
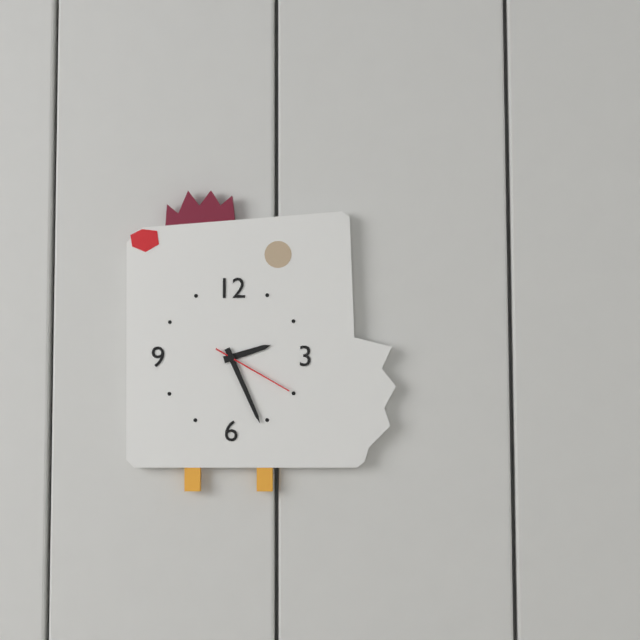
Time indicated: 2h26m20s
